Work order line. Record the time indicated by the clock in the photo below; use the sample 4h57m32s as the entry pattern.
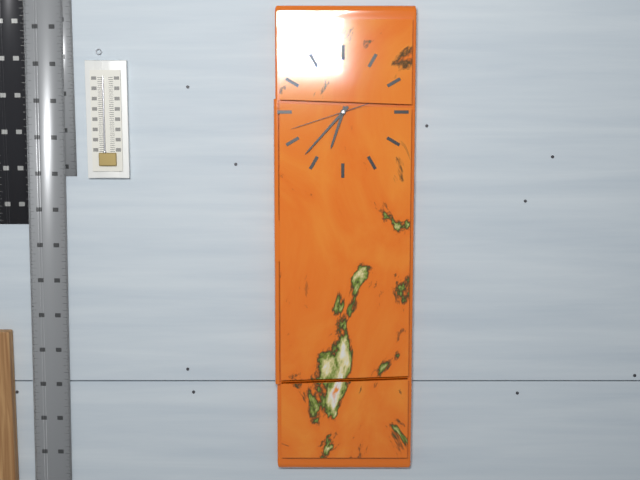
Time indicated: 6h37m42s
